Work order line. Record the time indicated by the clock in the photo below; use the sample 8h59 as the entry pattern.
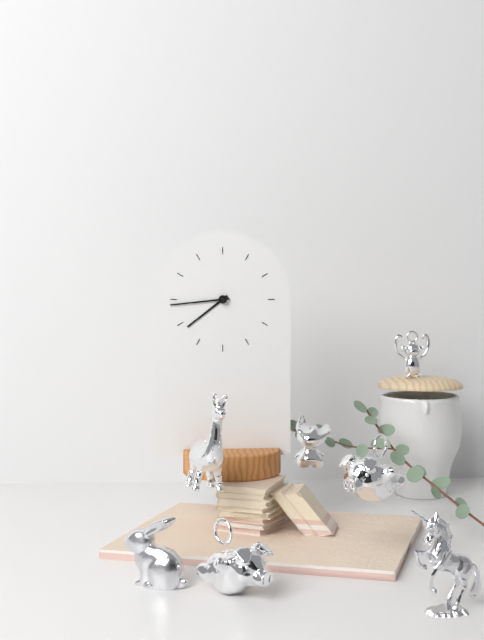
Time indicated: 7h44
